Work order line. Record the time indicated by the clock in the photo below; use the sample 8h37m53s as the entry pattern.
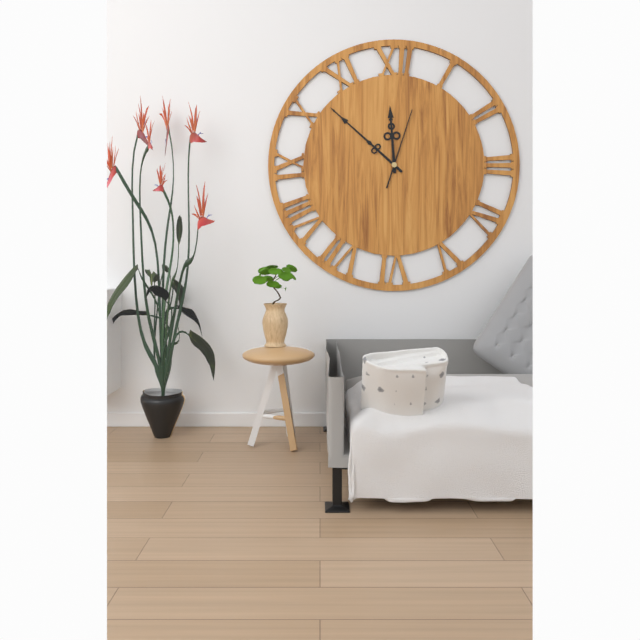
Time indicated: 11h52m03s
